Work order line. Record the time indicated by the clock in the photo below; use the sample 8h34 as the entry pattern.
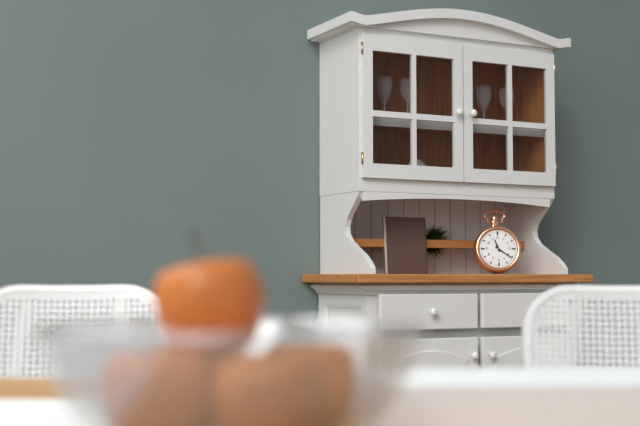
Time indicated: 11h21
